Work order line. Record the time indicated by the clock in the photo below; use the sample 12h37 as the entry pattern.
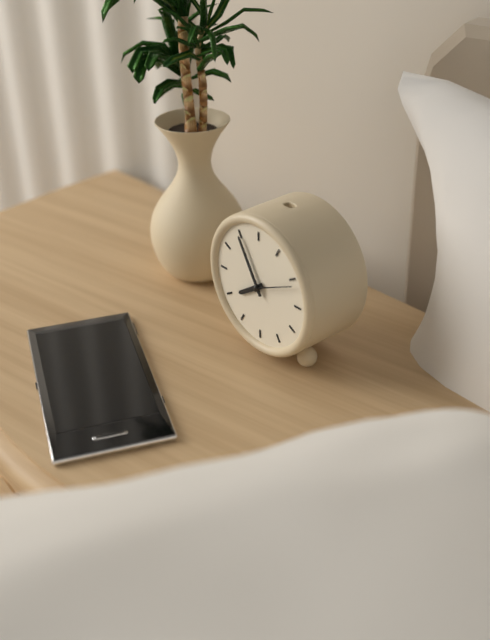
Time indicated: 7h55
